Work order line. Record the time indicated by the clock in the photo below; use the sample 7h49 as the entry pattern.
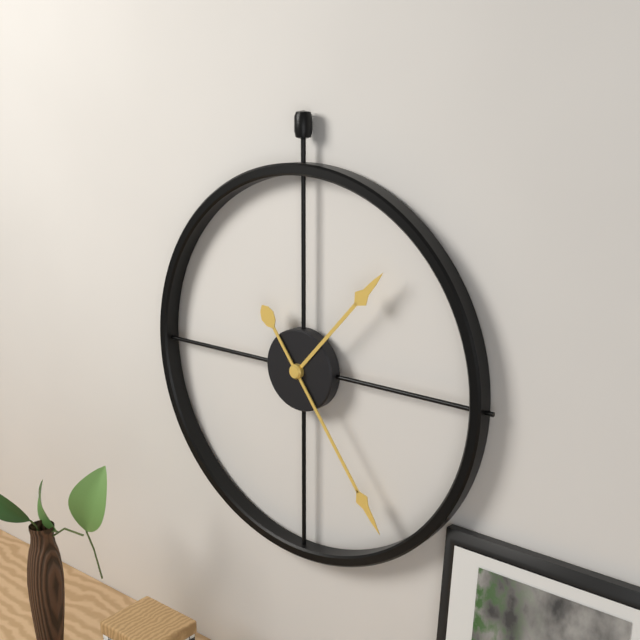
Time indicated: 1h24
